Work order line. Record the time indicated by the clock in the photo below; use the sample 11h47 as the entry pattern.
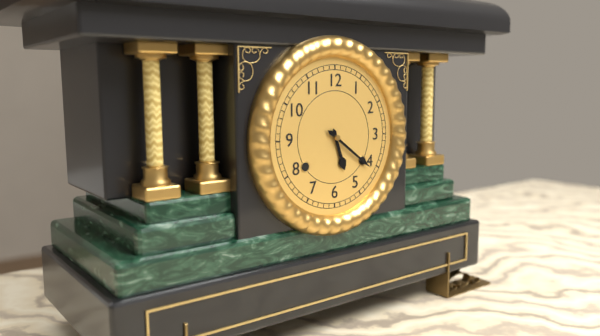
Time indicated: 5h21
